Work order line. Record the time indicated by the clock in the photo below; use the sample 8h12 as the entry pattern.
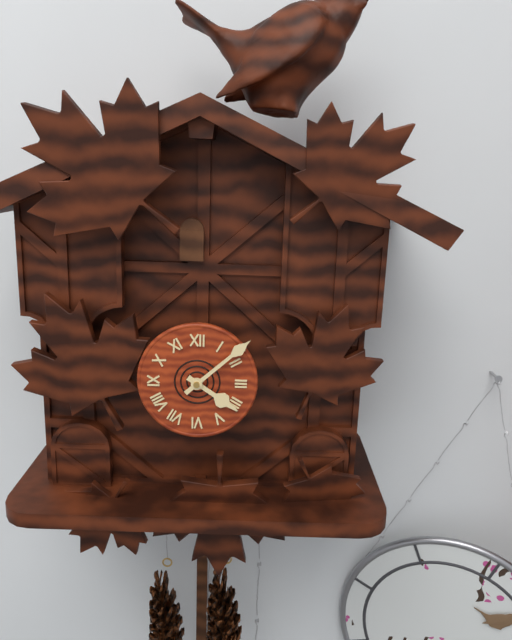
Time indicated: 4h08
